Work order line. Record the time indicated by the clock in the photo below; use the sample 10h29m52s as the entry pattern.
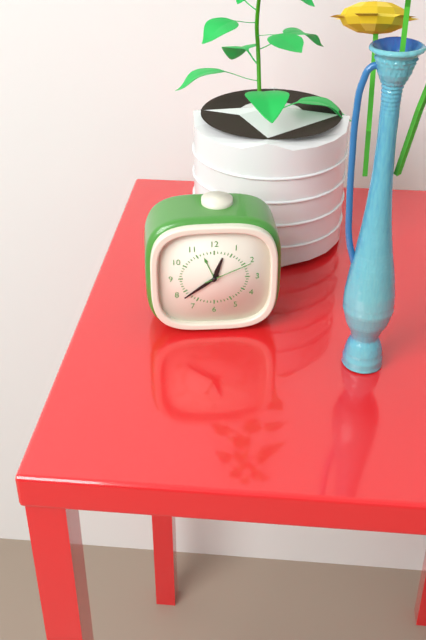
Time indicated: 12h39m11s
